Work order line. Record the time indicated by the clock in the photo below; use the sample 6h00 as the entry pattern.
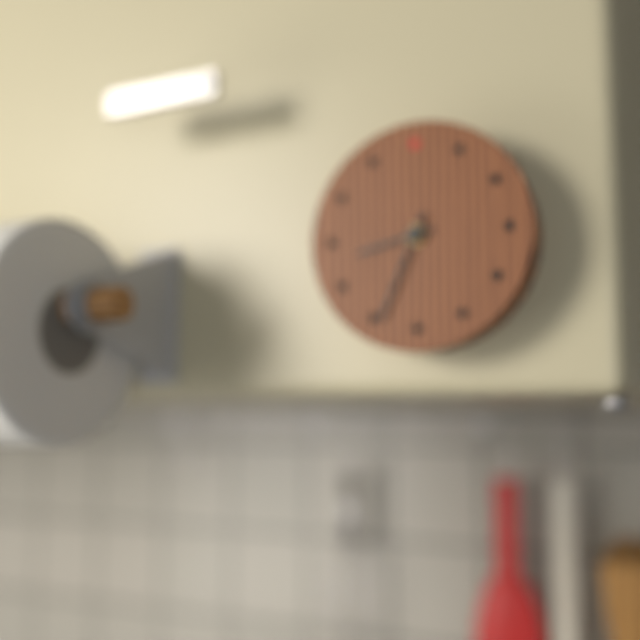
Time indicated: 8h34
